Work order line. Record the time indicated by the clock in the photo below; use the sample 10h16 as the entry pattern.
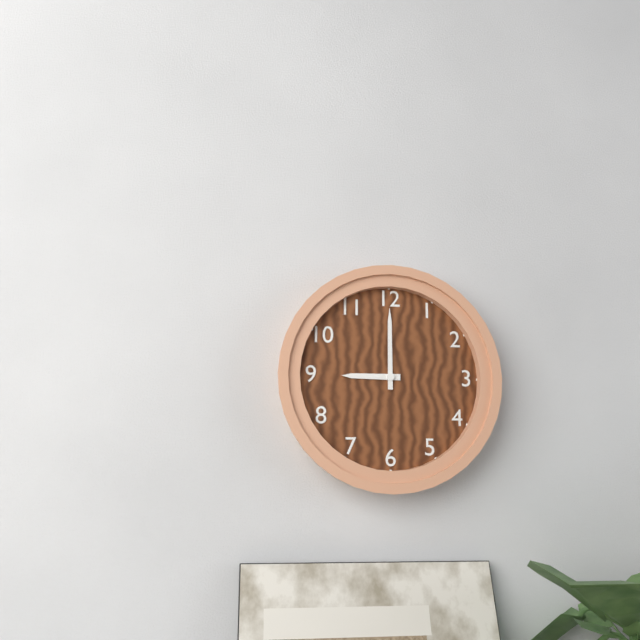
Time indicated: 9h00
